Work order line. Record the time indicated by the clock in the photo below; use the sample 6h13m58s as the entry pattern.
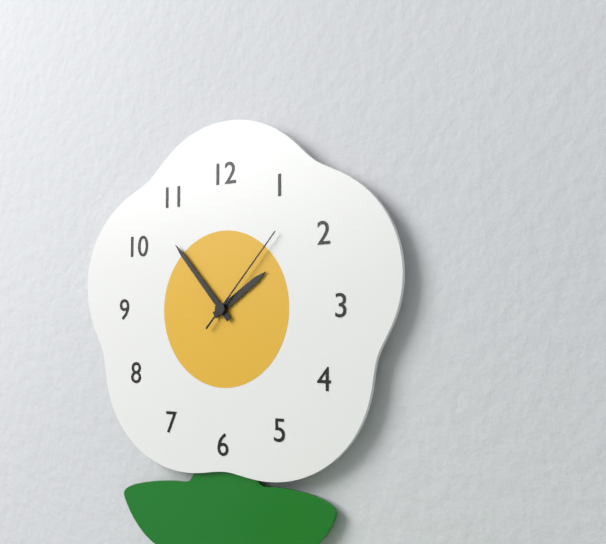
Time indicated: 1h53m07s
